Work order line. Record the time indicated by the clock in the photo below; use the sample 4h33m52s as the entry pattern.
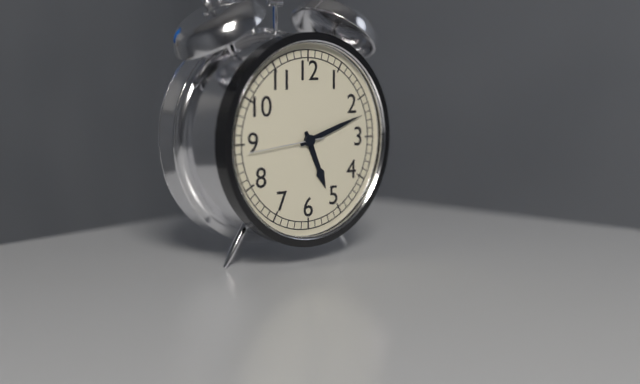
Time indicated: 5h12m44s
